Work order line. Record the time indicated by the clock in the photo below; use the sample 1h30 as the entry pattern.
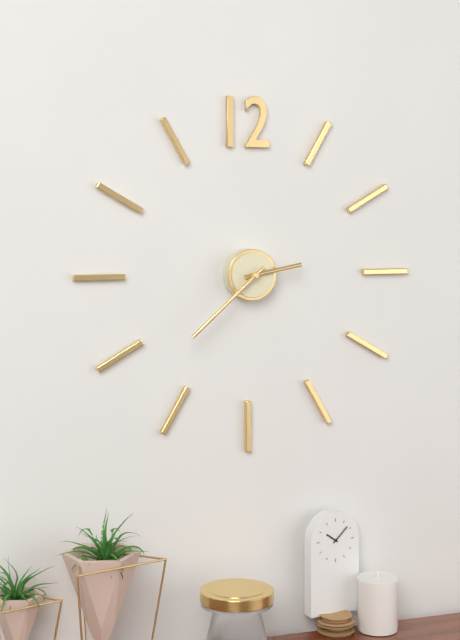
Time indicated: 2h38
